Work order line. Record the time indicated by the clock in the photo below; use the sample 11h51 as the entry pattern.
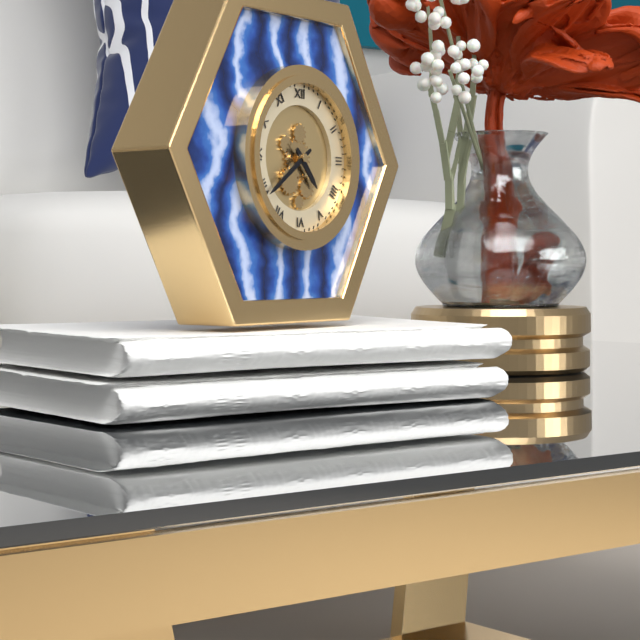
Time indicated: 4h39
